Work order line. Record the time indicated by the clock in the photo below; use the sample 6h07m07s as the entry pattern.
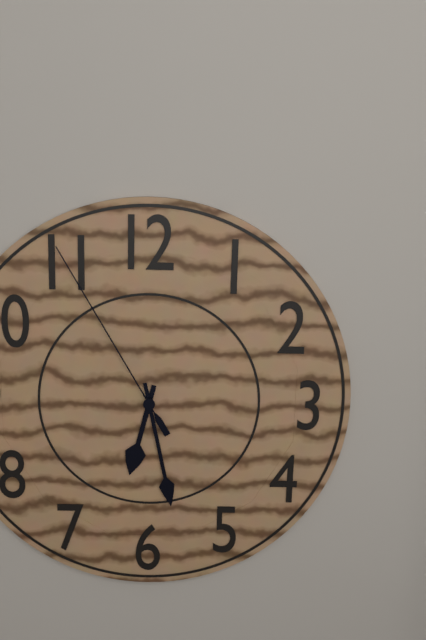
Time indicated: 6h28m55s
